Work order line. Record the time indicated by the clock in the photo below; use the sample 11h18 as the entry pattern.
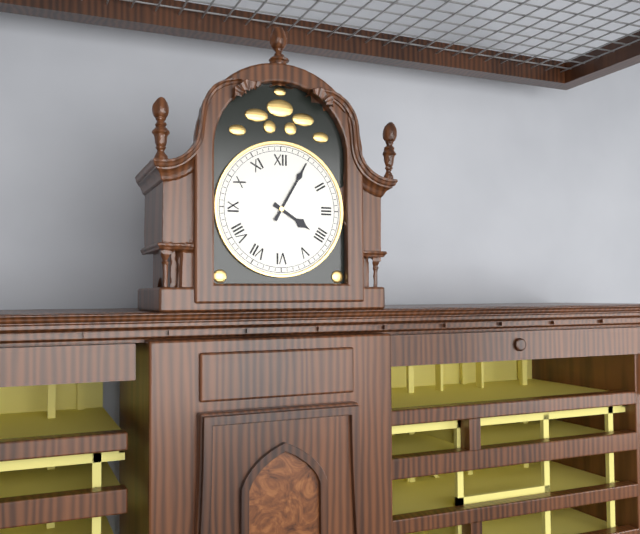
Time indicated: 4h05
